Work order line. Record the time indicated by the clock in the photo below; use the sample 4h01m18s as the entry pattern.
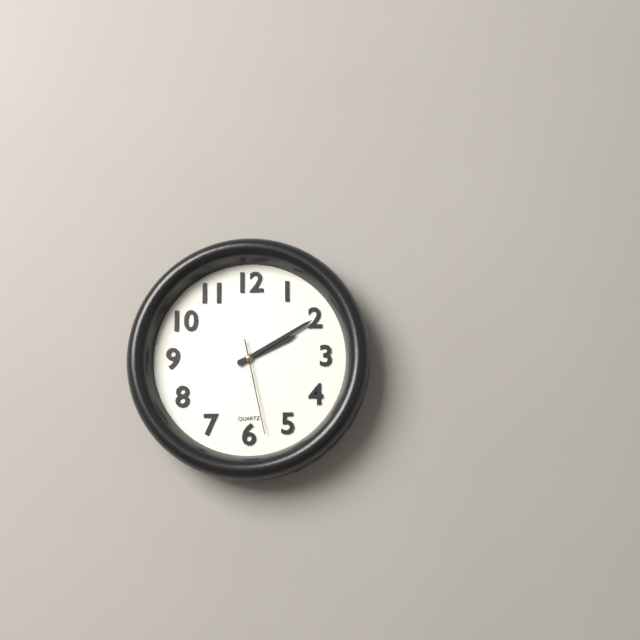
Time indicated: 2h10m28s
